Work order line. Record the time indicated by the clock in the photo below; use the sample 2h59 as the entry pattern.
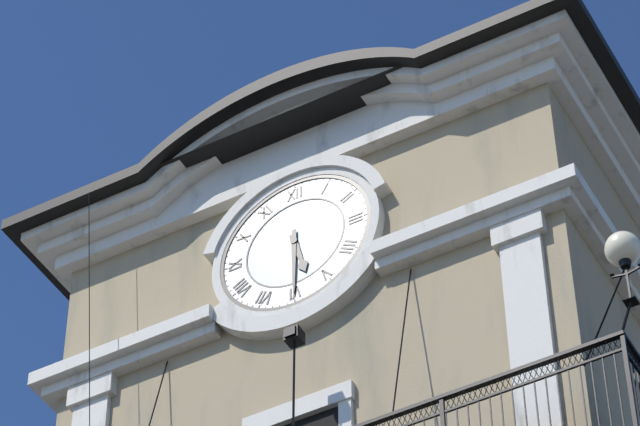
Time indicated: 5h30
